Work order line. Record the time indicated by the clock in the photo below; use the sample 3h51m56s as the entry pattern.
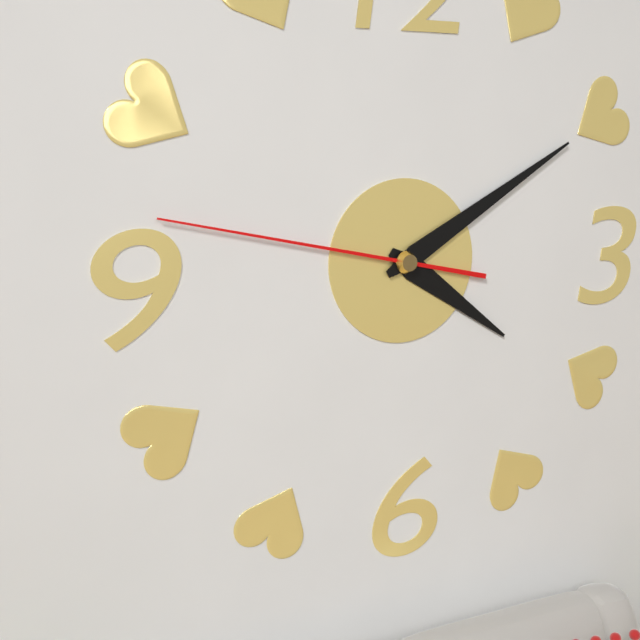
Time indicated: 4h10m47s
